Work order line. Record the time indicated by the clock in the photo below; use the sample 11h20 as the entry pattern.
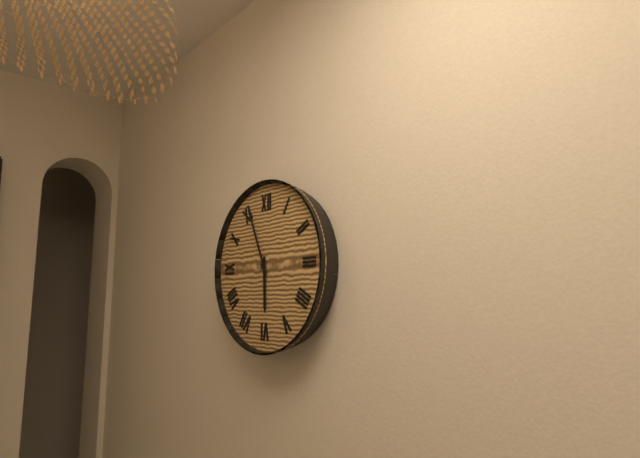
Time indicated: 5h56
